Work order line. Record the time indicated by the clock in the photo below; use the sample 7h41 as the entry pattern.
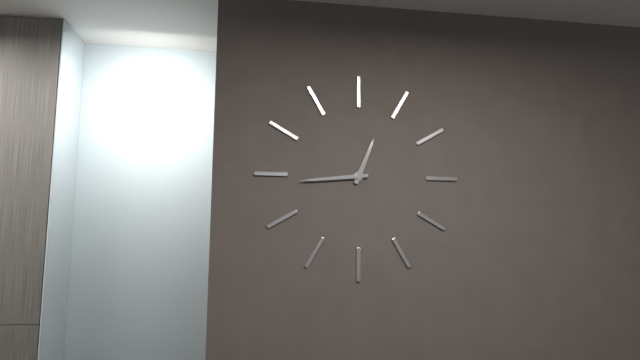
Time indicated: 12h44
